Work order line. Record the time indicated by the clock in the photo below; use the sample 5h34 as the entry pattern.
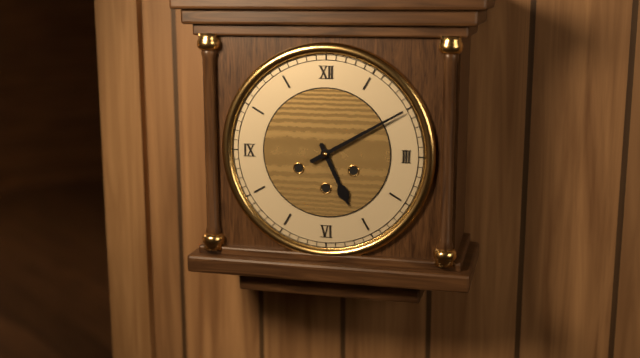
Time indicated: 5h10
